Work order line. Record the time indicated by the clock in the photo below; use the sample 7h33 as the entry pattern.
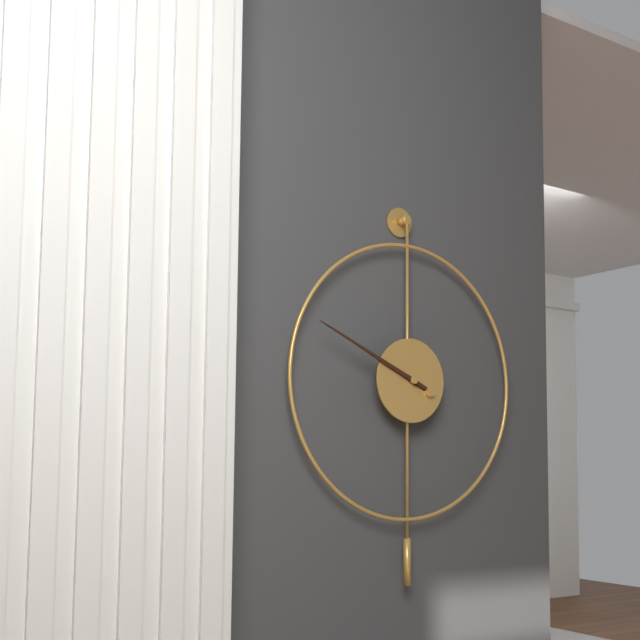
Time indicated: 9h49
